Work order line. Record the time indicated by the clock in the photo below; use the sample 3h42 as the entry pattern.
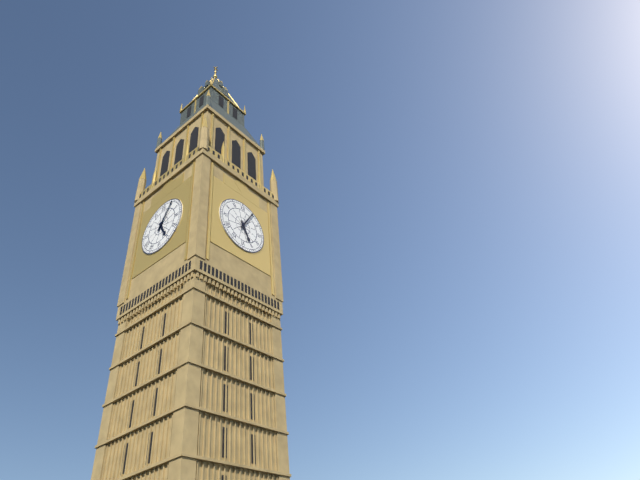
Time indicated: 5h05
